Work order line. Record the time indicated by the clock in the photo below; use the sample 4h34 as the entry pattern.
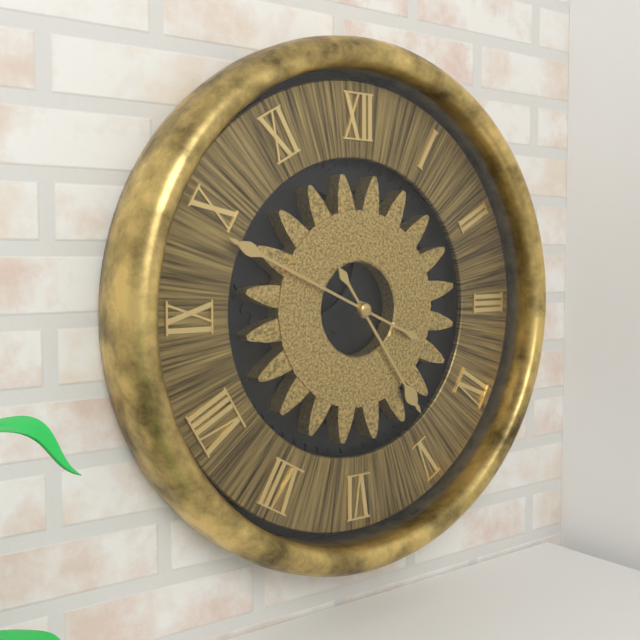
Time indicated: 4h49
